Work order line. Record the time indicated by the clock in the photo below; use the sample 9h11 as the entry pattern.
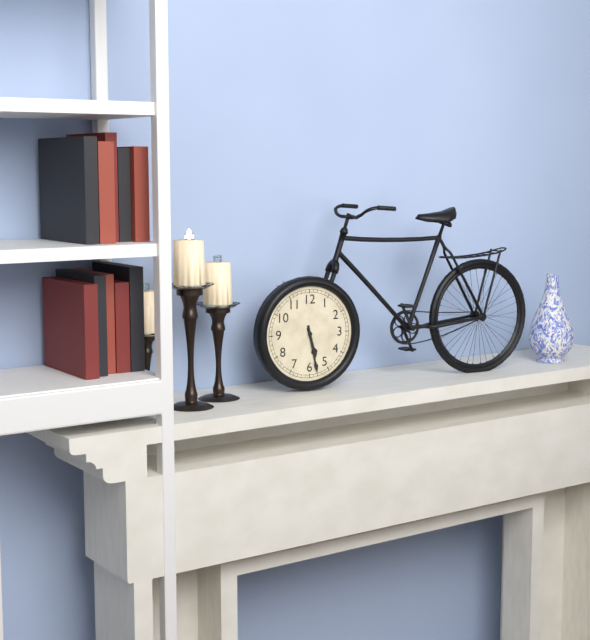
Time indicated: 5h28
